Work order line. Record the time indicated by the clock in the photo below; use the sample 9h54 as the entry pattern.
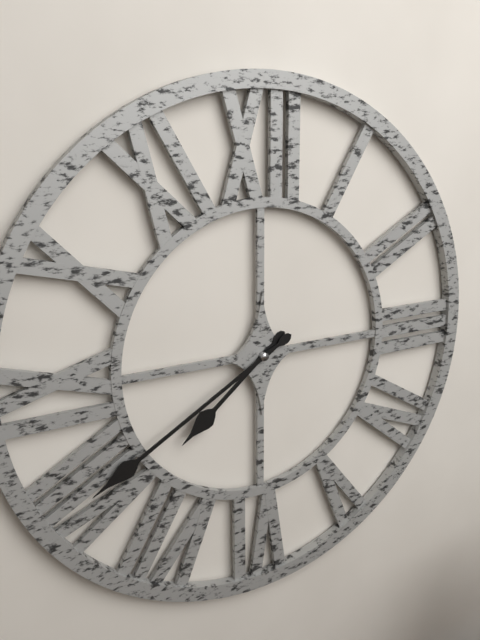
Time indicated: 7h40
